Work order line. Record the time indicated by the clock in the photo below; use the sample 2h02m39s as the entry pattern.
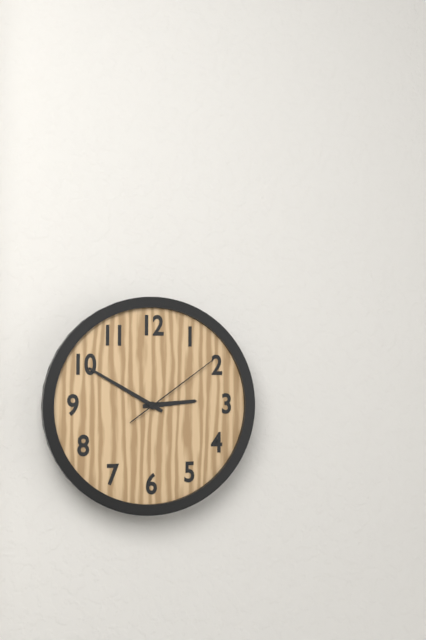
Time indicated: 2h50m09s
